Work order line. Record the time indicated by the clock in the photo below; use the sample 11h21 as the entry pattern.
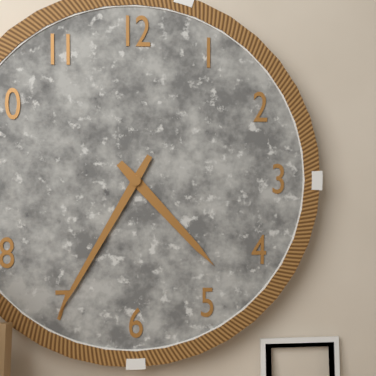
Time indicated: 4h35
